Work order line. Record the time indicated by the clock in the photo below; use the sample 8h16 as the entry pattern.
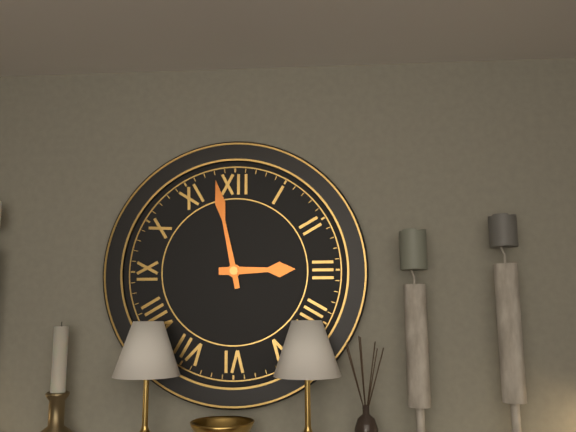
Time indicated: 2h58
